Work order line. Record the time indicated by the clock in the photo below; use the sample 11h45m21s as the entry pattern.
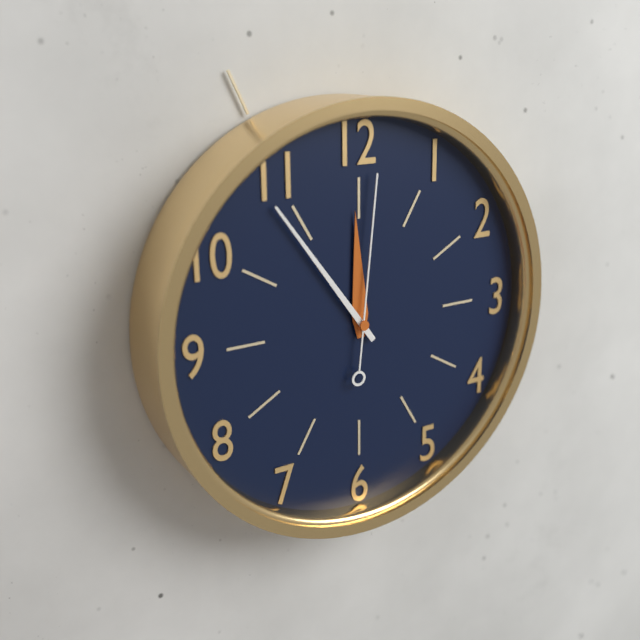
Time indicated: 11h54m01s
